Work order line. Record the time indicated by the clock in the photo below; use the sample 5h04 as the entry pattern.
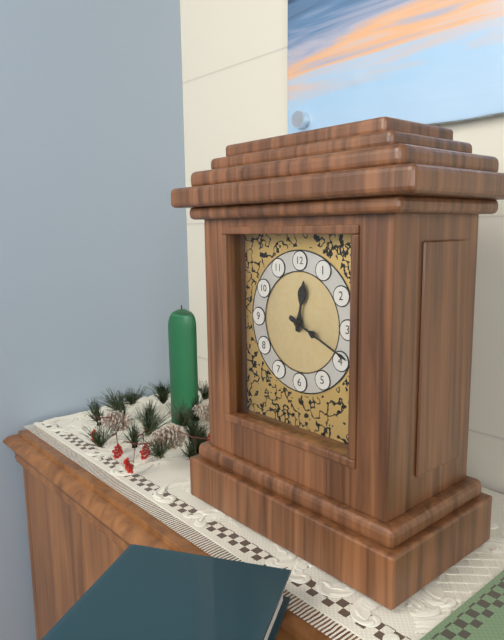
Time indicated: 12h19
